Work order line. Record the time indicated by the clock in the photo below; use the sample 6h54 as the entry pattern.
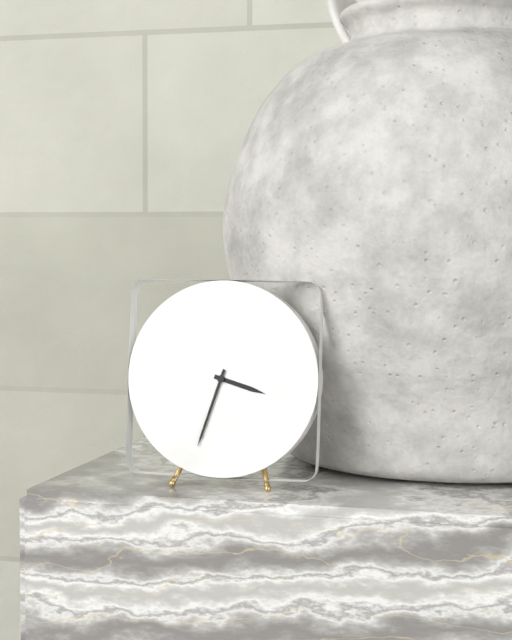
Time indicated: 3h33
